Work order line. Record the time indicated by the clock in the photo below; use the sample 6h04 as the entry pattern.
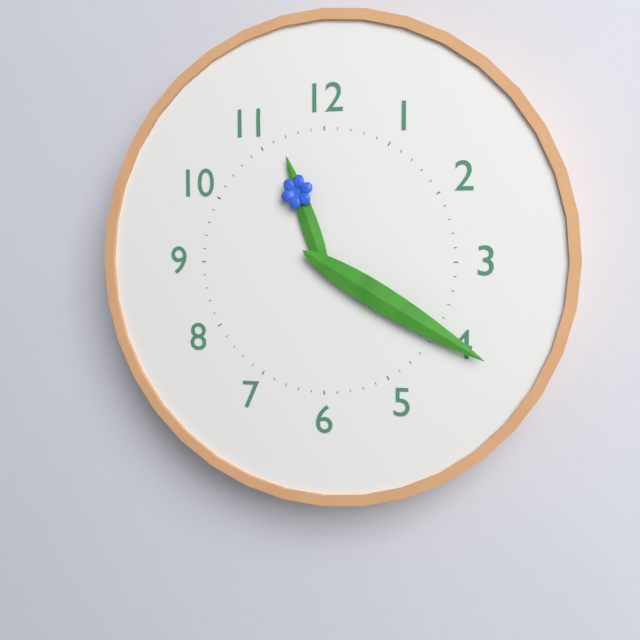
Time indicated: 11h20
